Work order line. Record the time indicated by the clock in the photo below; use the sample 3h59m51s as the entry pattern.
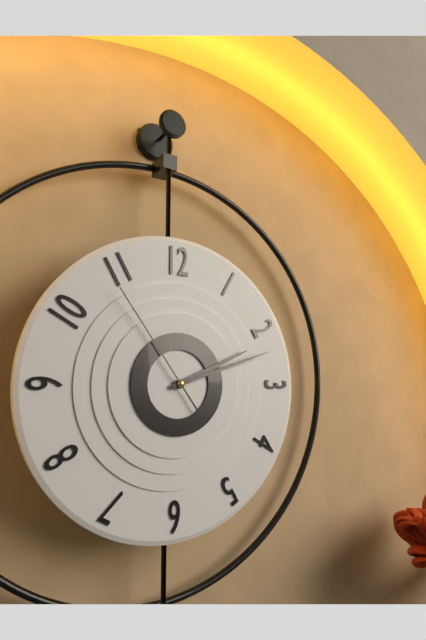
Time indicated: 2h12m54s
